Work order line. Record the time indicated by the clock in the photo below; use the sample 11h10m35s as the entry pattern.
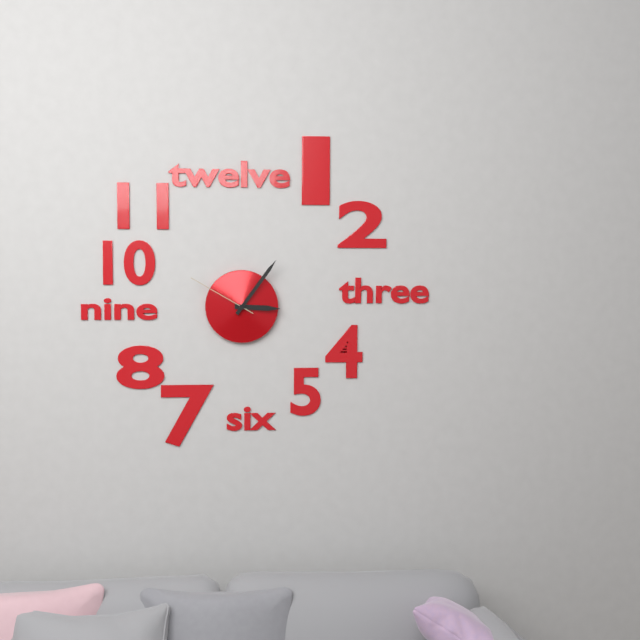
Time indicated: 3h06m50s
